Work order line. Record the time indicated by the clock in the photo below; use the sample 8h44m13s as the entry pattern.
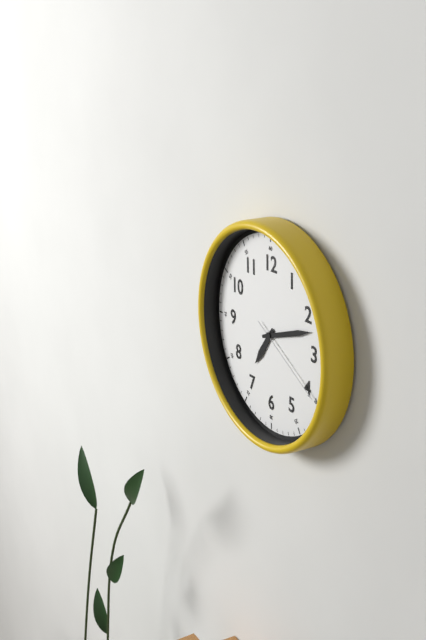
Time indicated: 7h12m20s
